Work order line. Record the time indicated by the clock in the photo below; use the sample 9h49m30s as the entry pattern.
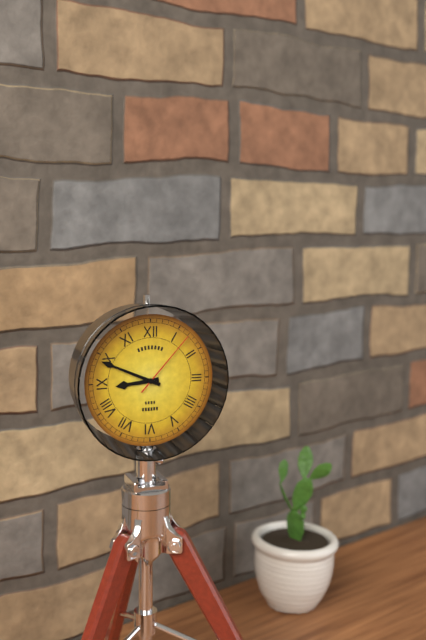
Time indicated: 8h49m07s
